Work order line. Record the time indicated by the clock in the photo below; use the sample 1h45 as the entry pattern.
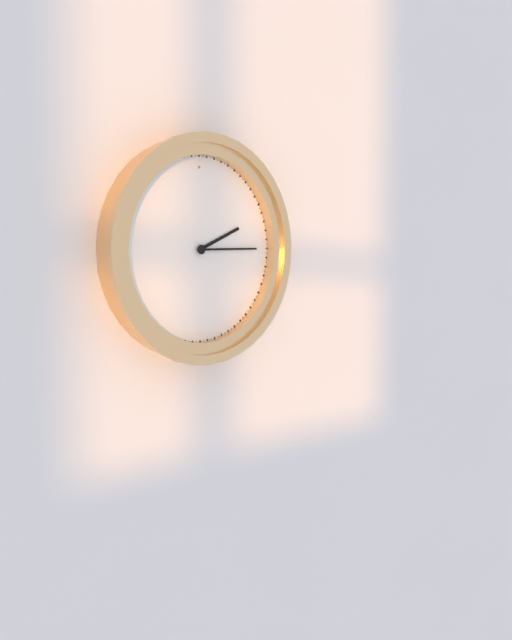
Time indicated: 2h15
